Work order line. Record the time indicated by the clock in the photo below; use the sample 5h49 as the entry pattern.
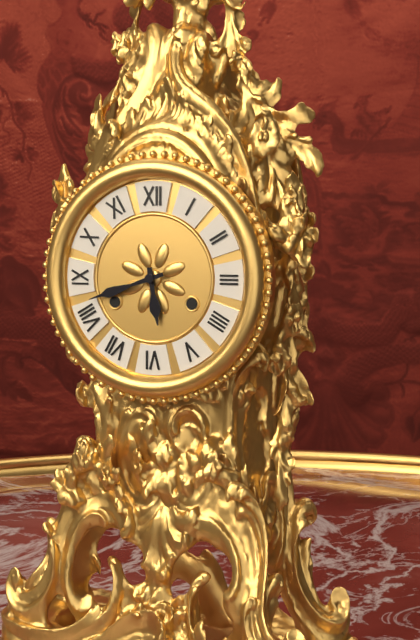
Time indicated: 5h42
